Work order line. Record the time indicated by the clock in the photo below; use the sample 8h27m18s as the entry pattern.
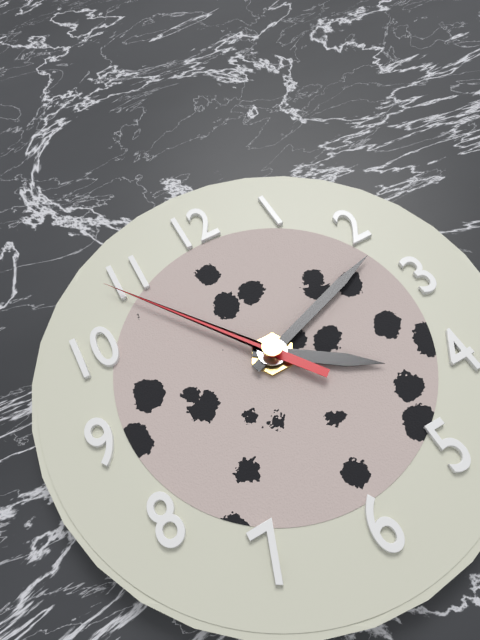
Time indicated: 4h12m54s
